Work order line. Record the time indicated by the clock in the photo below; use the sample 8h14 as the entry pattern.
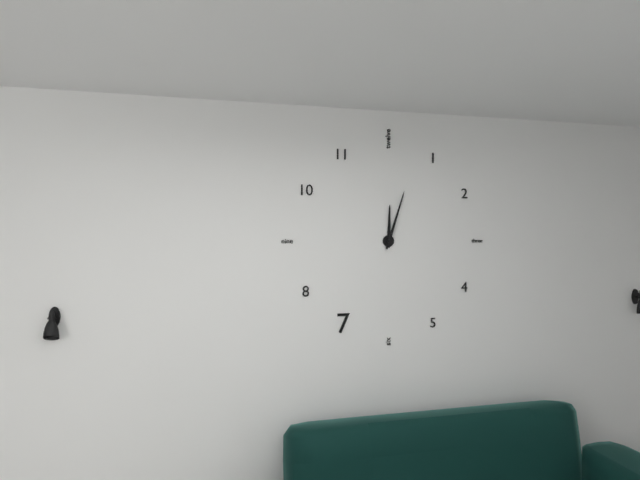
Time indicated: 12h03
